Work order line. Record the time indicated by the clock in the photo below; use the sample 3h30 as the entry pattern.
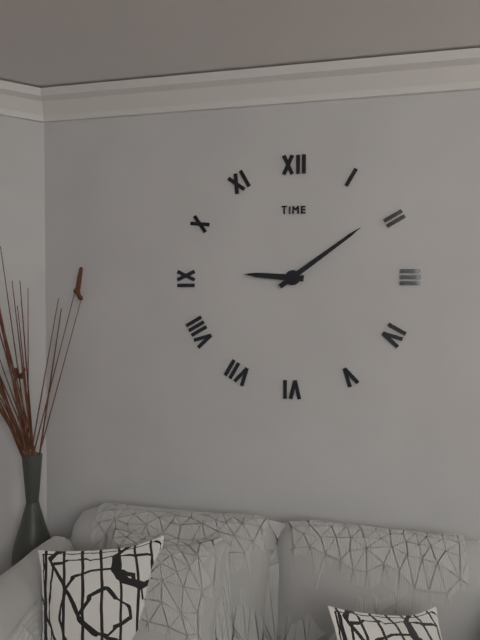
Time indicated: 9h09
